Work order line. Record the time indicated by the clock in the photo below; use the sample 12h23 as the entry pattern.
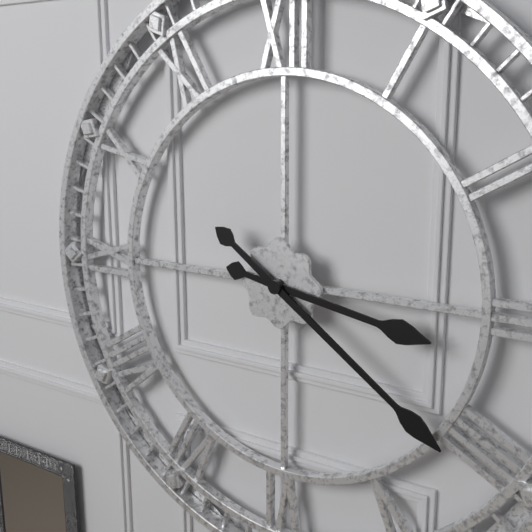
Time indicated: 3h21
